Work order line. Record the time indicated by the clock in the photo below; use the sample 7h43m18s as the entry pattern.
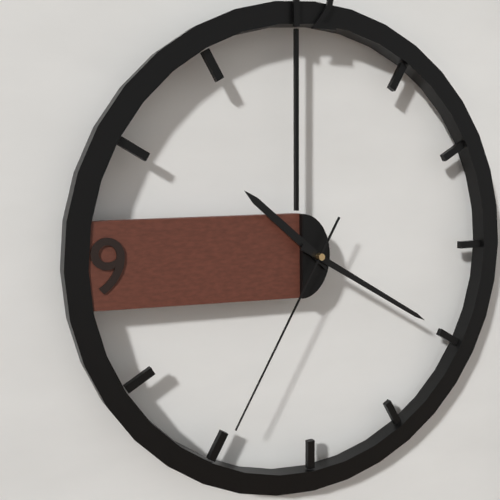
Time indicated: 10h20m35s
